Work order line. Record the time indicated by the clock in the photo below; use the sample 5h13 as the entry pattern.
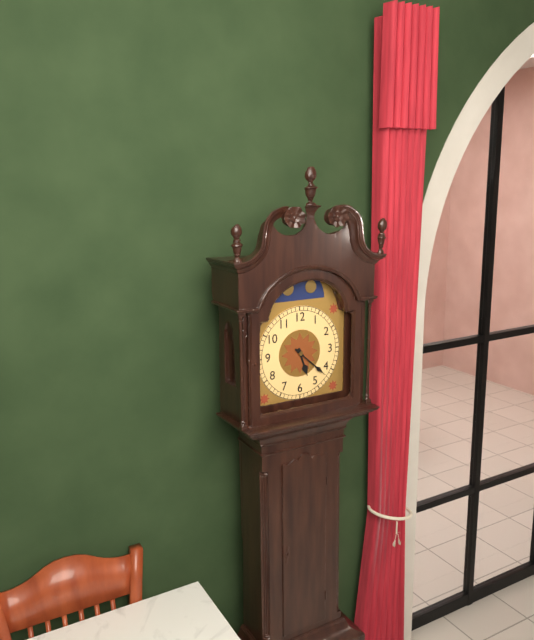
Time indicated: 5h22
